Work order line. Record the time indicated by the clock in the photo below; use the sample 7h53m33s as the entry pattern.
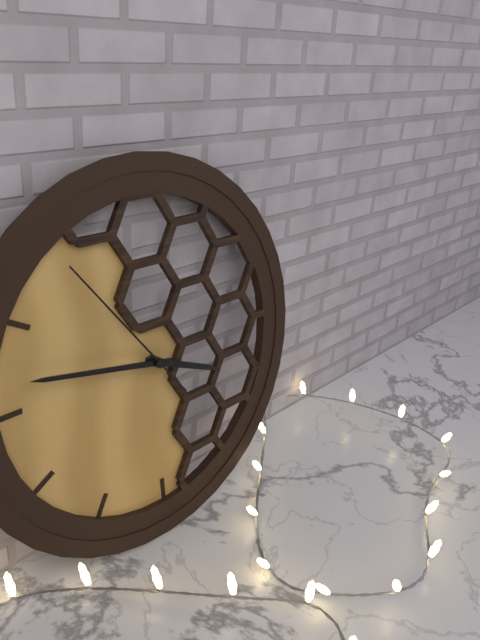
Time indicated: 3h47m54s
